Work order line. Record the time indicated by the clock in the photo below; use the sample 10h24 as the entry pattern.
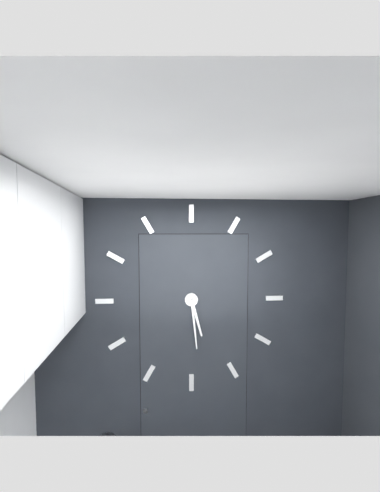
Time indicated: 5h29
